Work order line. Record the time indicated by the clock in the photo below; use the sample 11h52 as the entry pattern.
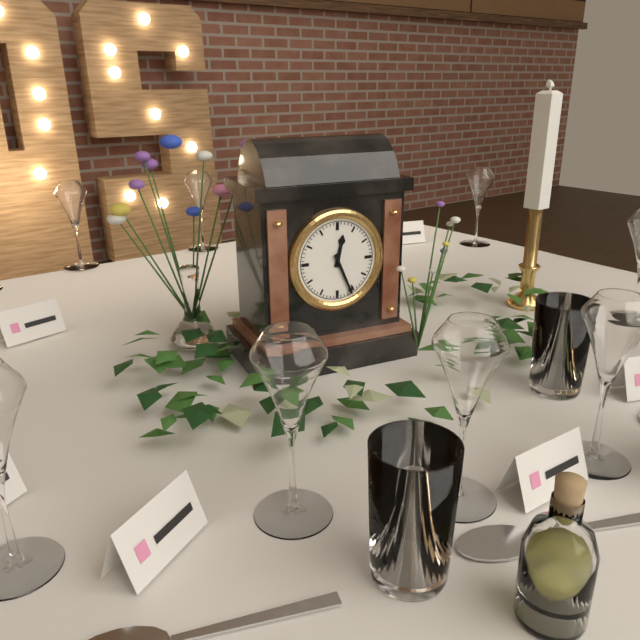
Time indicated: 12h26
